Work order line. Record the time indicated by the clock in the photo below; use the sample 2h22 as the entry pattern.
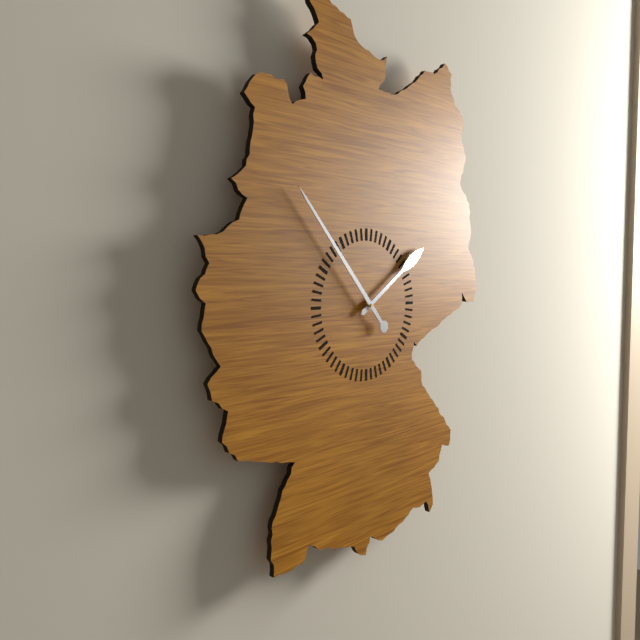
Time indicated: 1h53
